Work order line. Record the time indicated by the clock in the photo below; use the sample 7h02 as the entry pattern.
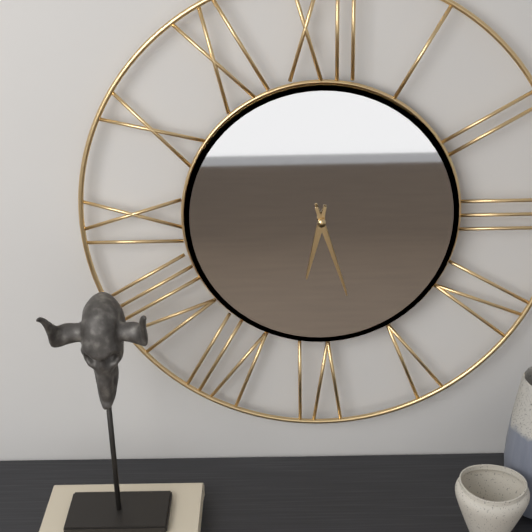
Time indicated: 6h27
